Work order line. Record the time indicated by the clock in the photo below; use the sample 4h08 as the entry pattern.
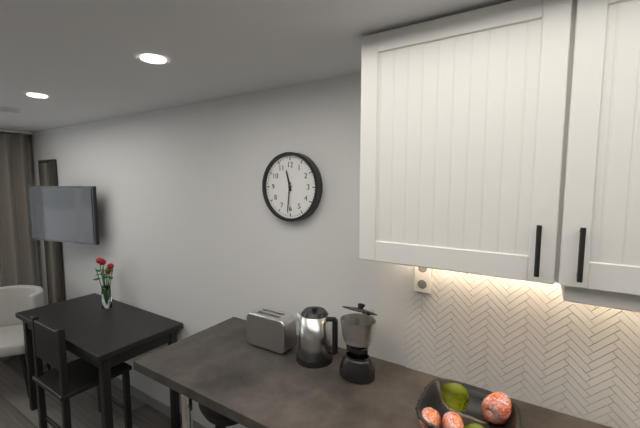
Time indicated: 11h31
